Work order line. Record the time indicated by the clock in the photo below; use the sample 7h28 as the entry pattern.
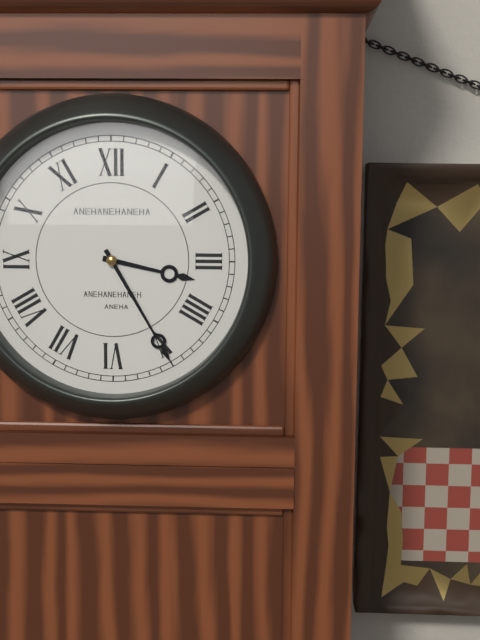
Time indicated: 3h25
